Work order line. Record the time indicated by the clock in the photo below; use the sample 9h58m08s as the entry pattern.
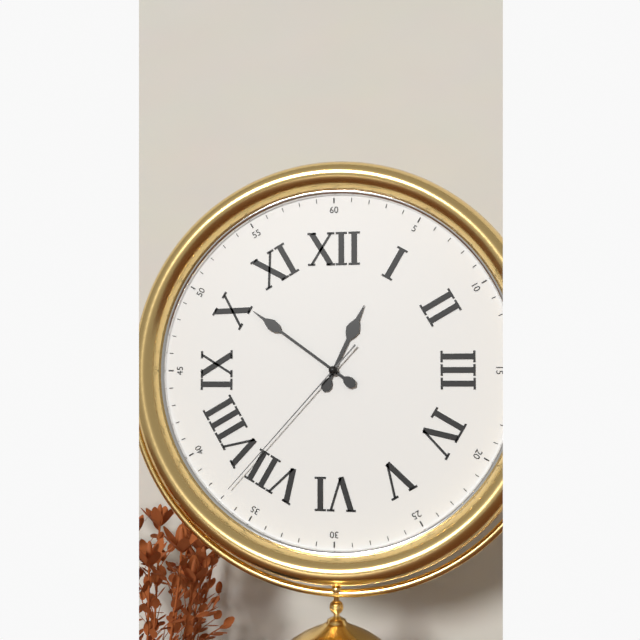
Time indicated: 12h51m37s
